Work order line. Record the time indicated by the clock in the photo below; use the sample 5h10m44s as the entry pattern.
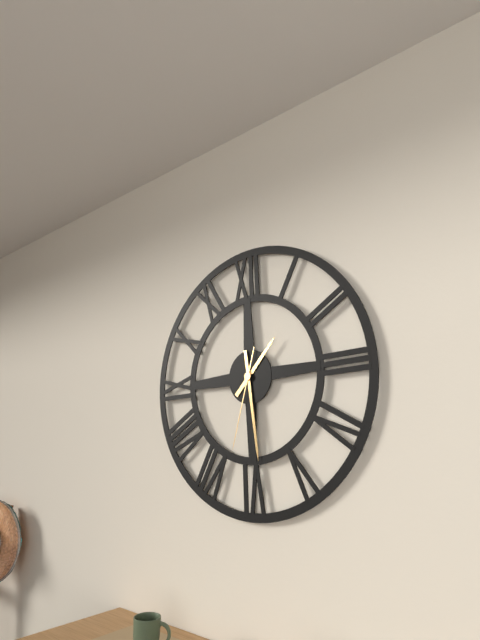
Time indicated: 1h29m33s
